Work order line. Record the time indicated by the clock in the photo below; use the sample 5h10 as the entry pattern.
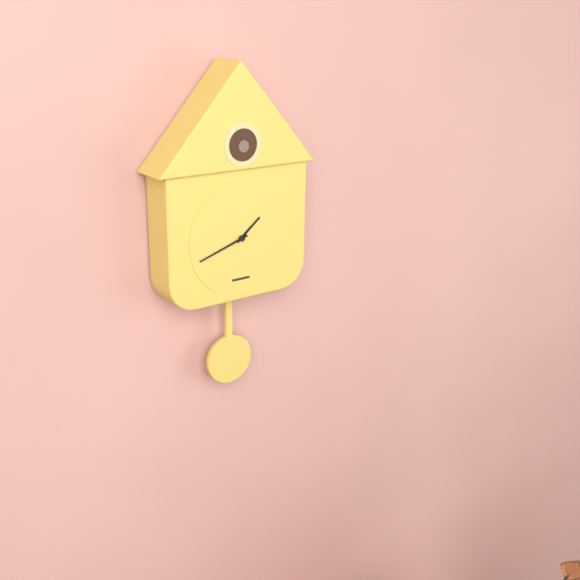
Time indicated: 1h42
